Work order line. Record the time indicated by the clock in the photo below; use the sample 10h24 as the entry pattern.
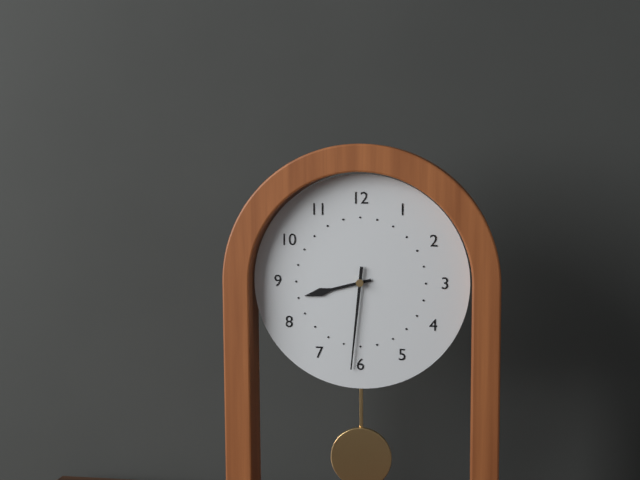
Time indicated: 8h31
